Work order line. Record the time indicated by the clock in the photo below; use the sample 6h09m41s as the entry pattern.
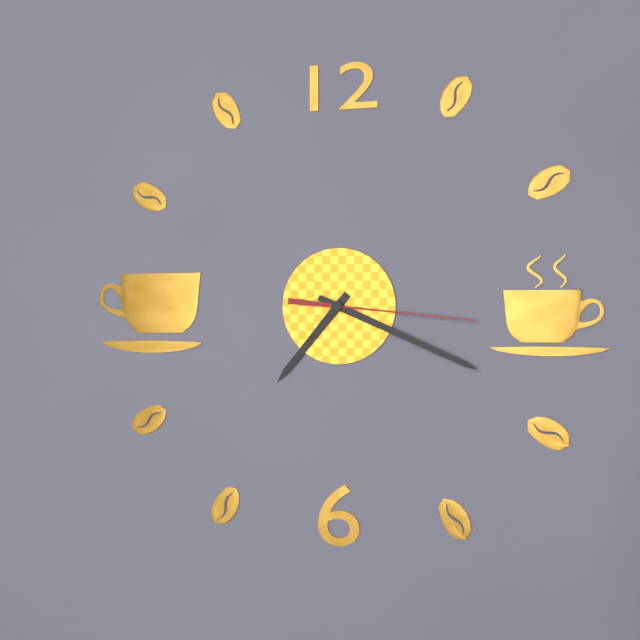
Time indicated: 7h19m16s
